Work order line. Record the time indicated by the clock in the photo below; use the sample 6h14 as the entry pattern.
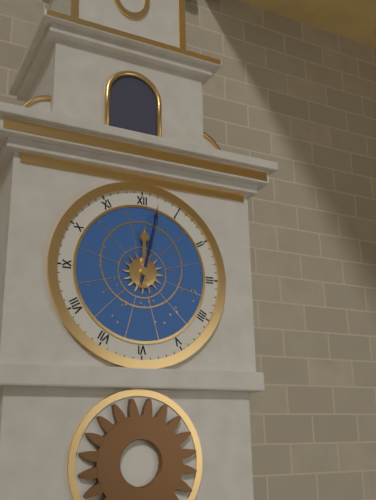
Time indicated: 12h02
